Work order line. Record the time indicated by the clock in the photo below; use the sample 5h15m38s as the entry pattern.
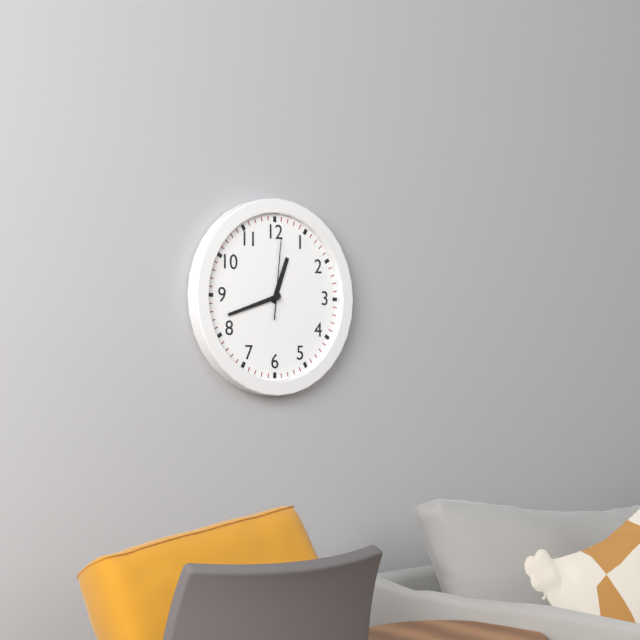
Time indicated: 12h42m01s
